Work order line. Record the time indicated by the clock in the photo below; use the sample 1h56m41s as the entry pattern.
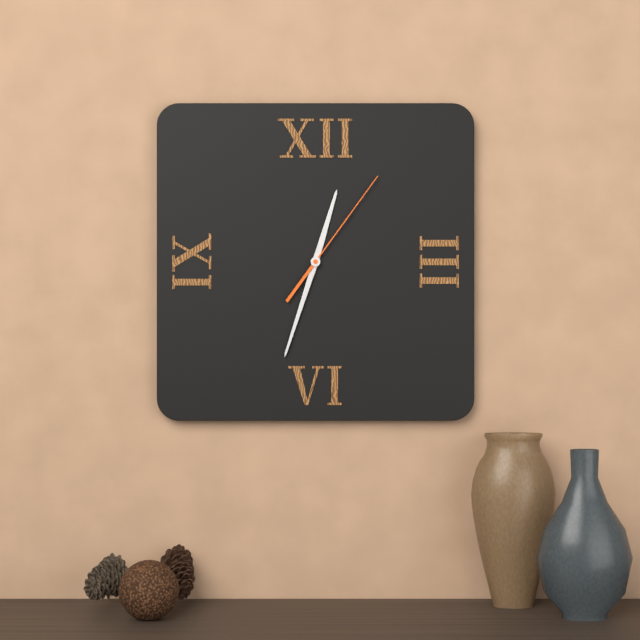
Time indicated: 12h33m06s
